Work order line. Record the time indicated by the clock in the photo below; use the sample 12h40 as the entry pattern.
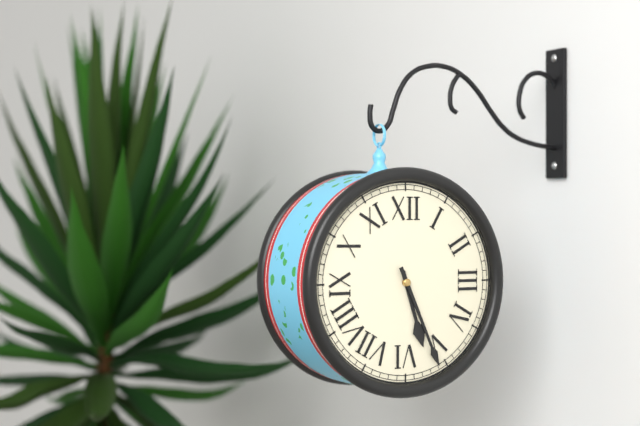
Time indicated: 5h26
